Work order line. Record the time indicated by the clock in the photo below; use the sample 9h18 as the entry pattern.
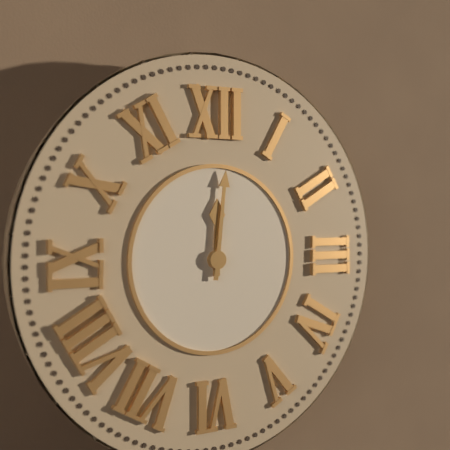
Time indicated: 12h01
